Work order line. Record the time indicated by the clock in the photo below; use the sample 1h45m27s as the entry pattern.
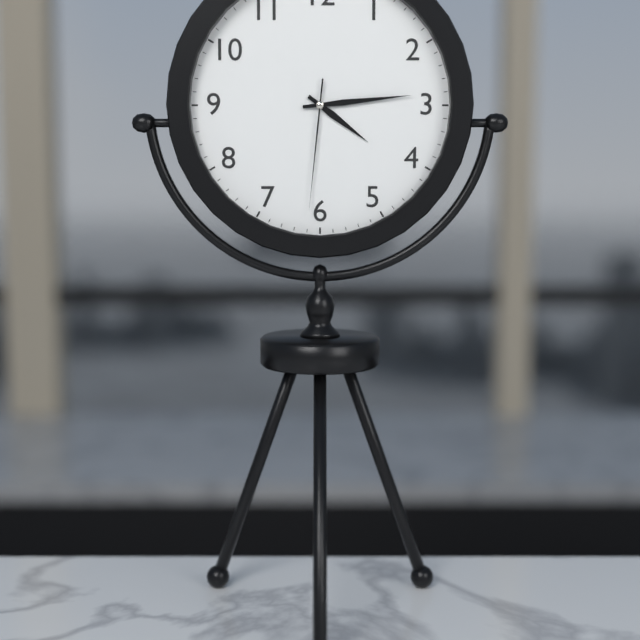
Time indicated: 4h14m31s
